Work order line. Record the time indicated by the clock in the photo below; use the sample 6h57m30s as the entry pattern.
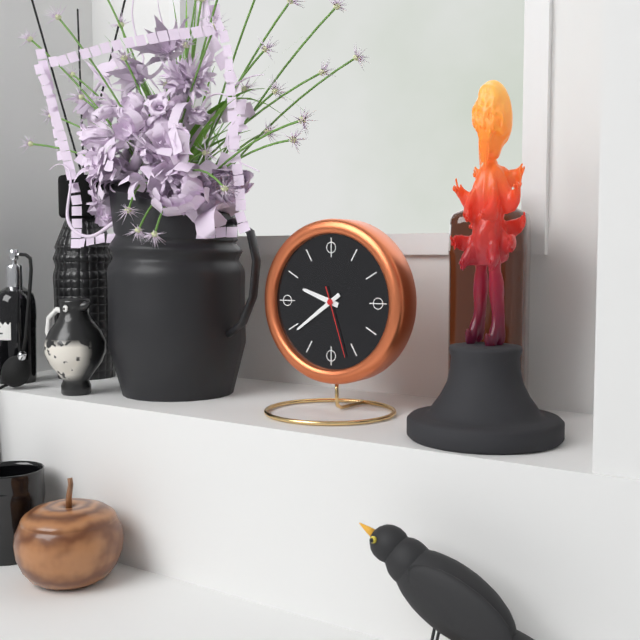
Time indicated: 9h39m27s
